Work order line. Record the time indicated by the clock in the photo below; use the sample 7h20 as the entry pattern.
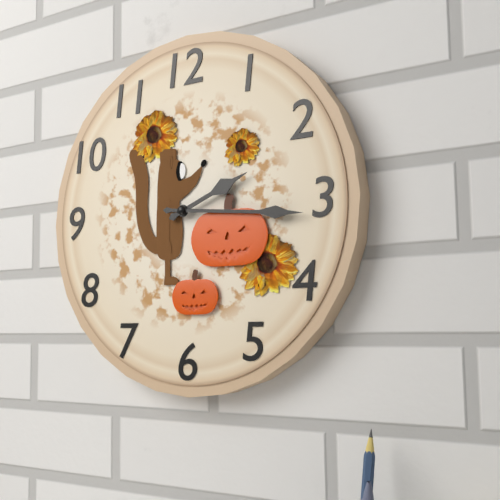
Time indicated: 2h16
